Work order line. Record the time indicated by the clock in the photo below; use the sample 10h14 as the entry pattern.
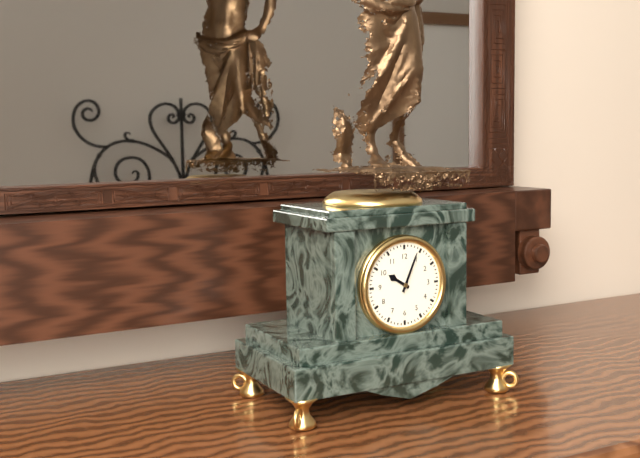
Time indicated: 10h04
